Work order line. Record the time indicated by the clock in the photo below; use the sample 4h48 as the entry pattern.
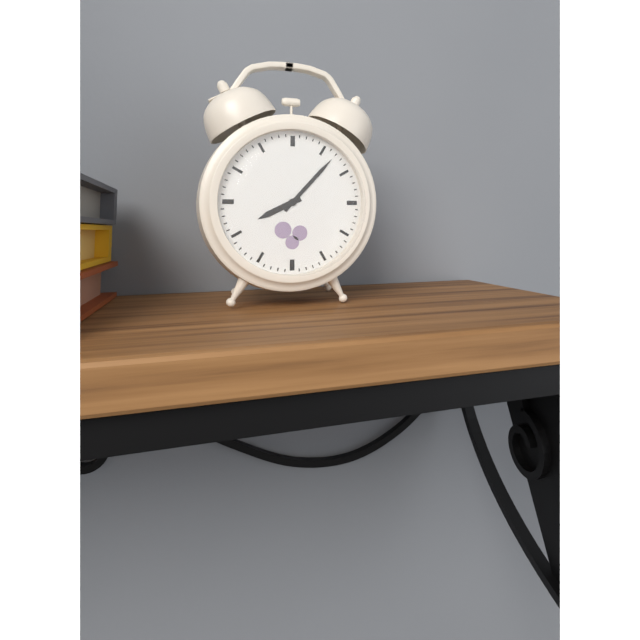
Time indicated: 8h07
